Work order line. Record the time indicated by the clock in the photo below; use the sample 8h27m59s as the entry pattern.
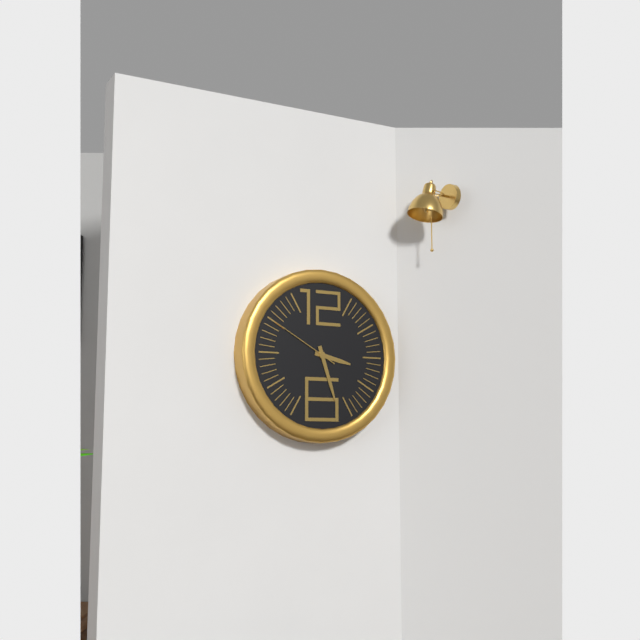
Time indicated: 3h27m50s
